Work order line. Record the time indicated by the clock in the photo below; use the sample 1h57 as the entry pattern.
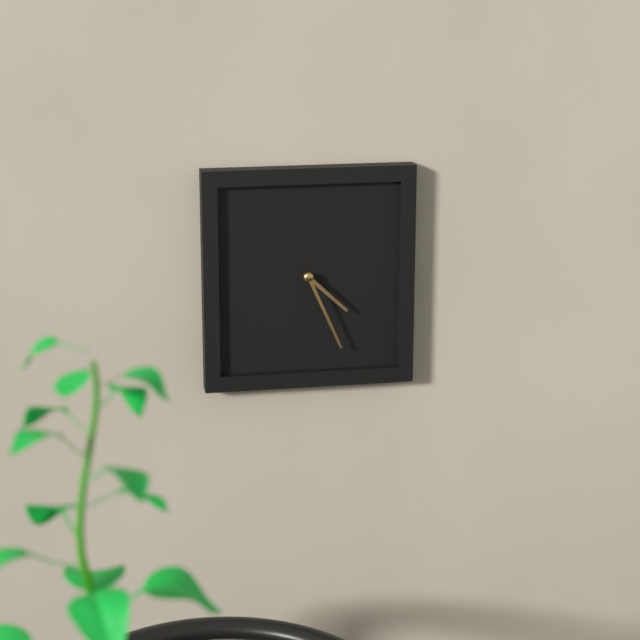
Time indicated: 4h26
